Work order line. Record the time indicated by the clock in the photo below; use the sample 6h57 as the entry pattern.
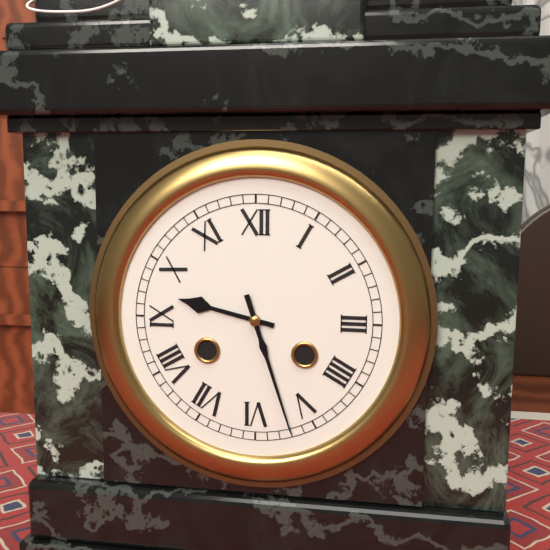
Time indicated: 9h27
